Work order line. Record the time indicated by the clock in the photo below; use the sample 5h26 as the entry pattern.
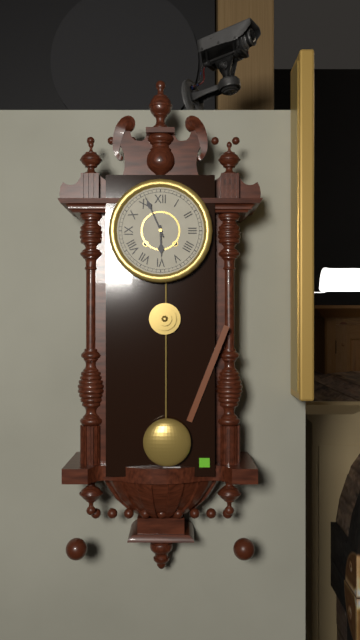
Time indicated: 5h56
